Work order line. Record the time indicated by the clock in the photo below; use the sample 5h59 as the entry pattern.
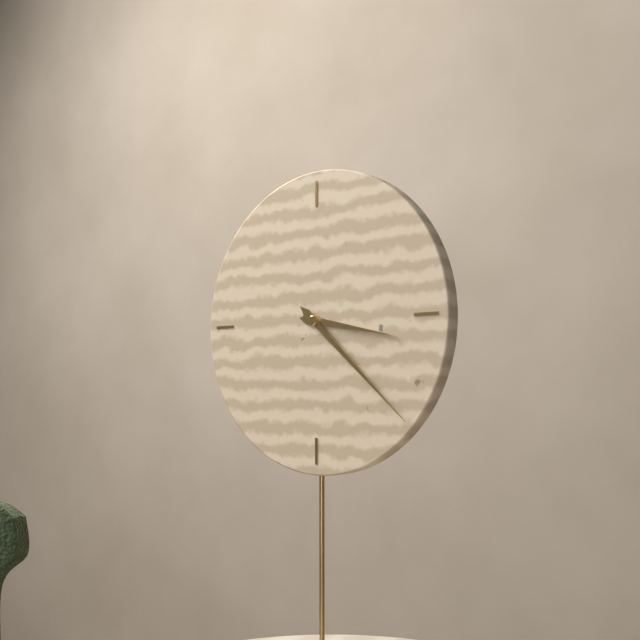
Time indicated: 3h22
